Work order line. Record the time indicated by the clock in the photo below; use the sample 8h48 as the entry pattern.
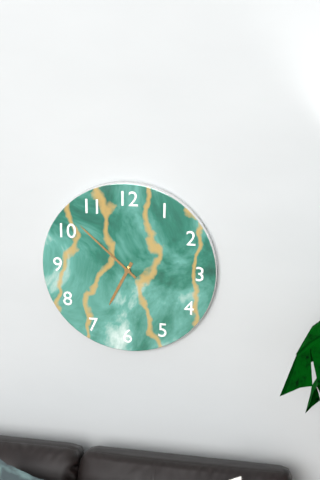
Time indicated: 6h52
